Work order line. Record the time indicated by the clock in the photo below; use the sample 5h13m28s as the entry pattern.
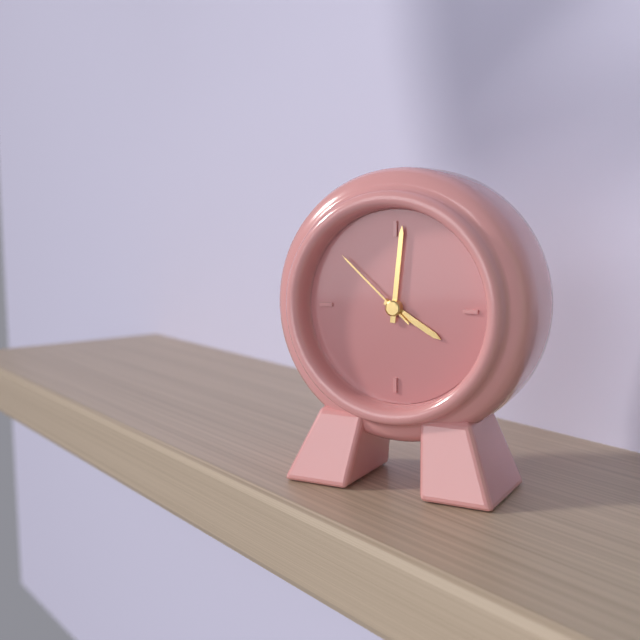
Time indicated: 4h01m52s
